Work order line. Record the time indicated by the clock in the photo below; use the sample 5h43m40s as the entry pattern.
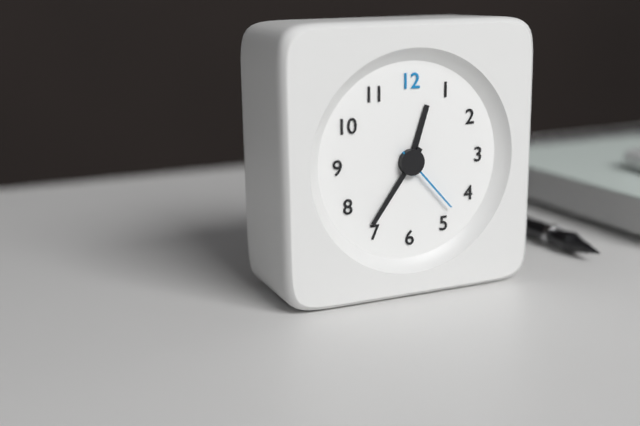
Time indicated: 12h36m23s
